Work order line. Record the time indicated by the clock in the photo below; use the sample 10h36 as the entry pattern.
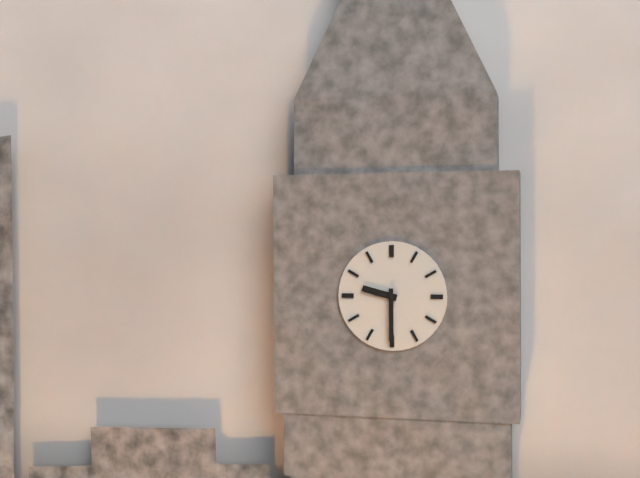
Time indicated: 9h30
